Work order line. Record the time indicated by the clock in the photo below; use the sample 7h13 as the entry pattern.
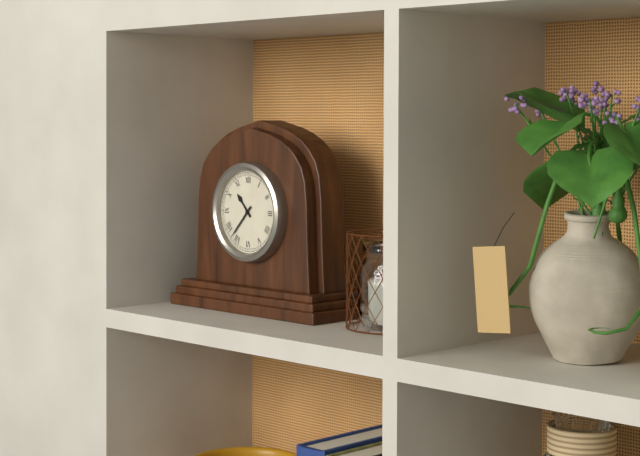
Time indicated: 10h37
